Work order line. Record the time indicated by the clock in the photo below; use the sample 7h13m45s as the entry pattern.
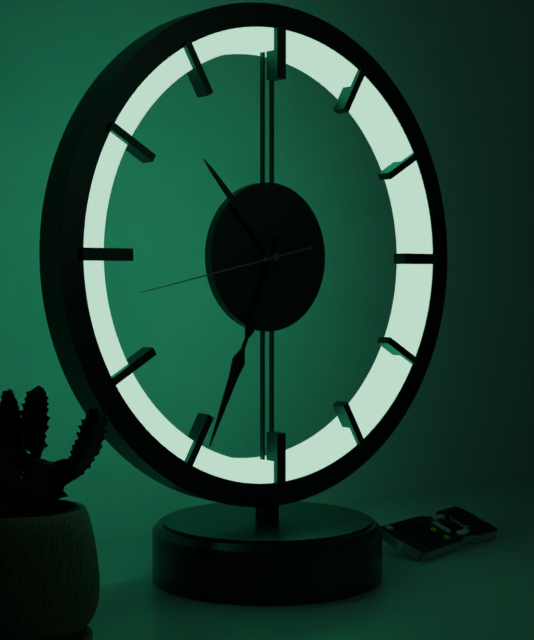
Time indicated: 10h34m43s
